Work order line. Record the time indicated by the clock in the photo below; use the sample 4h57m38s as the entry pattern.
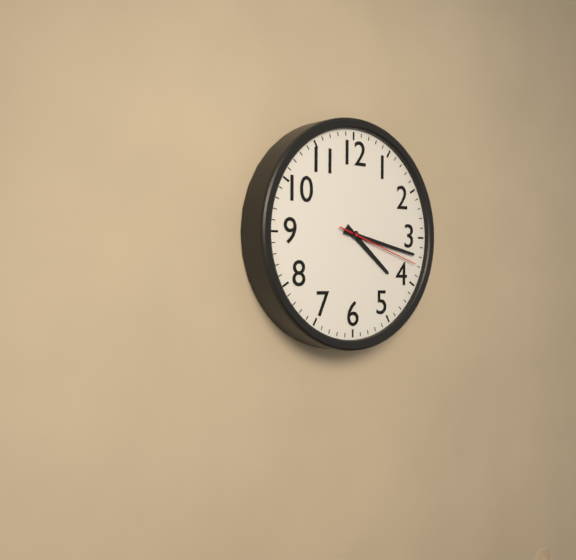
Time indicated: 4h17m18s
